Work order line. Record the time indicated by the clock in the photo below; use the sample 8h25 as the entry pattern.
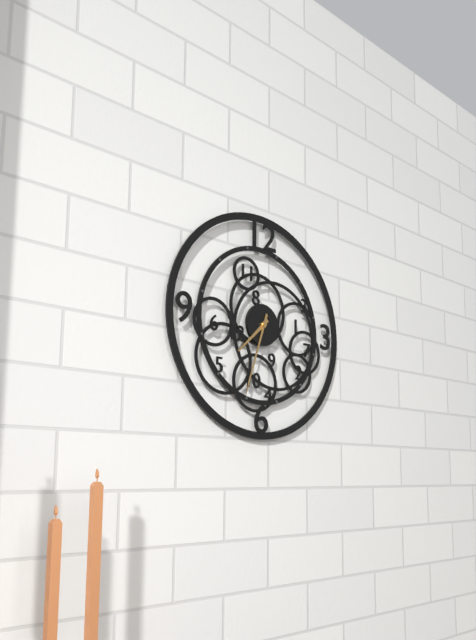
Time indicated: 7h33
